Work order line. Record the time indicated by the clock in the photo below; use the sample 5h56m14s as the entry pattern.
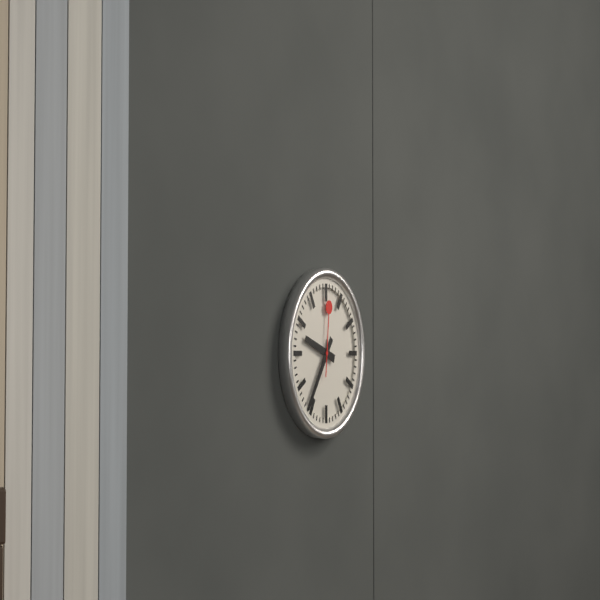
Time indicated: 9h36m01s
